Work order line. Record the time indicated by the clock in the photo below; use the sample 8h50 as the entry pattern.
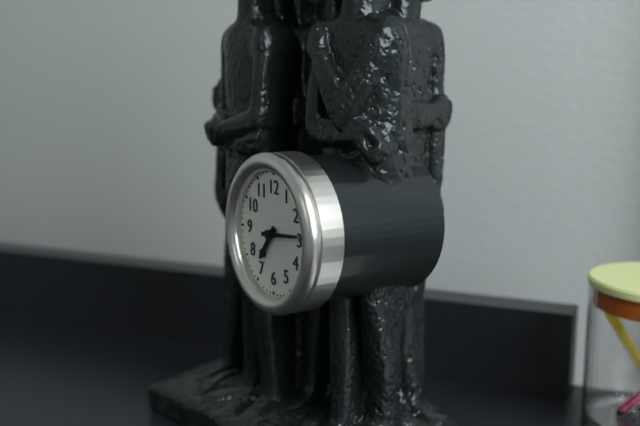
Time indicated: 7h14
